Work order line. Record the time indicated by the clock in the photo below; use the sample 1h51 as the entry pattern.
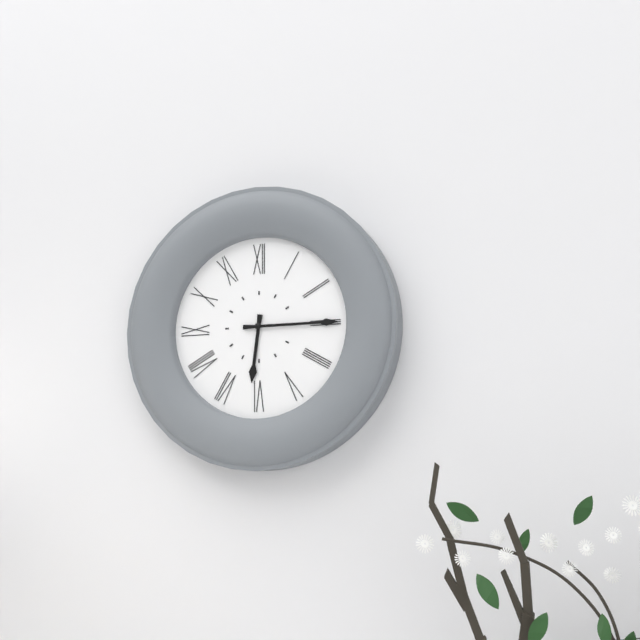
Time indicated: 6h15
